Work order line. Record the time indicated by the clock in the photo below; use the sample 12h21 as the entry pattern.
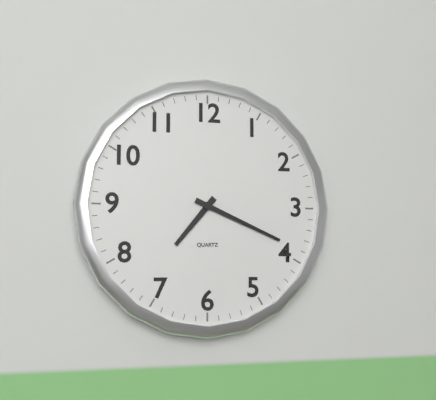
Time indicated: 7h19
